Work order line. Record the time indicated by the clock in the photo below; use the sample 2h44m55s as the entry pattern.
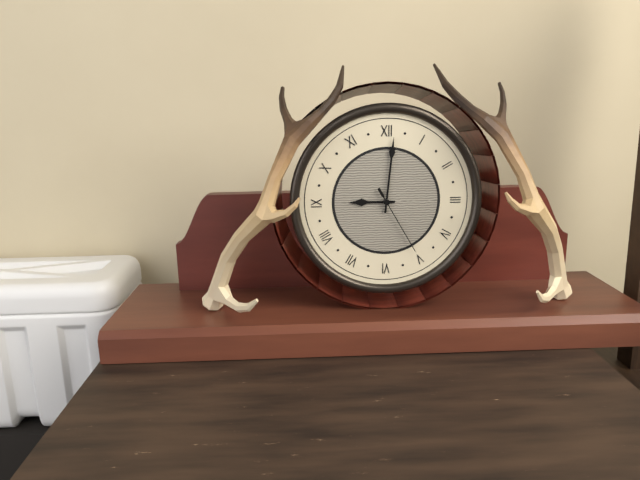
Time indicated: 9h01m25s
